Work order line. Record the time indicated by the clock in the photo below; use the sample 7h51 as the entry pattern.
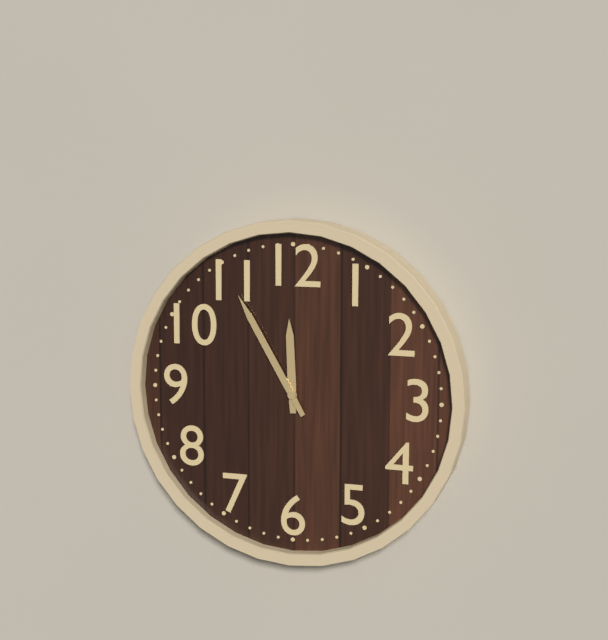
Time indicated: 11h55
